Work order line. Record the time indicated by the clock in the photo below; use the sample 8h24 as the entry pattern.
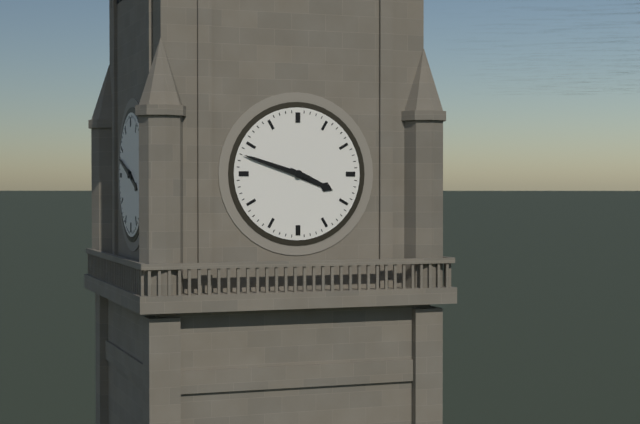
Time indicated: 3h48
